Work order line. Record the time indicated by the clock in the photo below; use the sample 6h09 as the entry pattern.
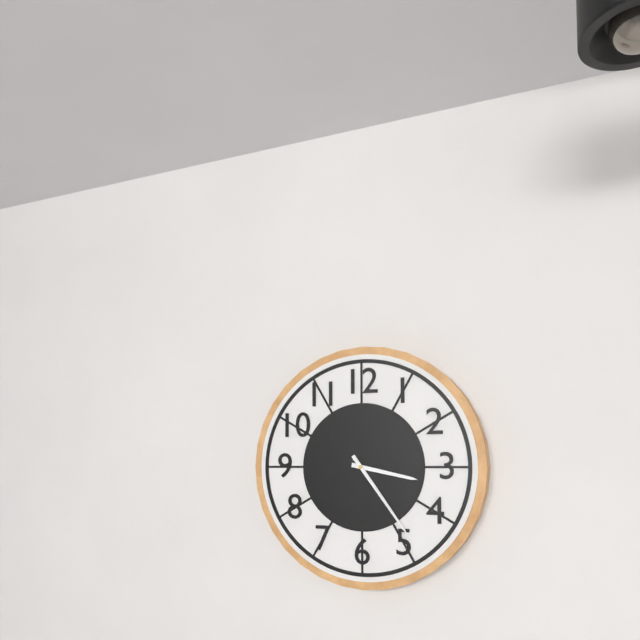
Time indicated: 3h24
